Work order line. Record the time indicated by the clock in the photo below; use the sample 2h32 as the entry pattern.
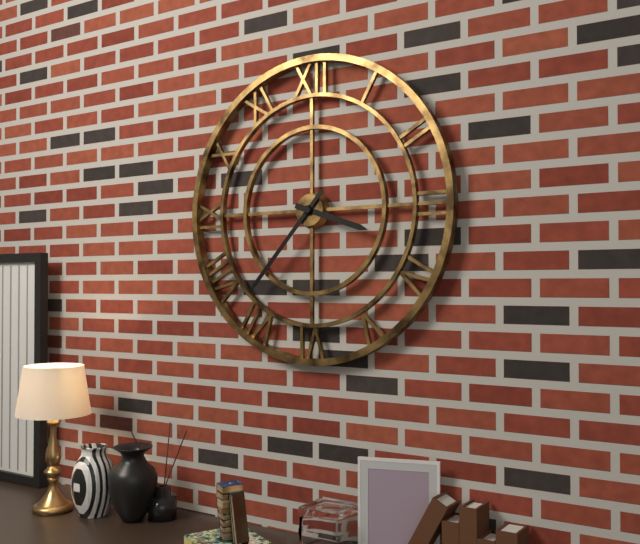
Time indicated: 3h37
